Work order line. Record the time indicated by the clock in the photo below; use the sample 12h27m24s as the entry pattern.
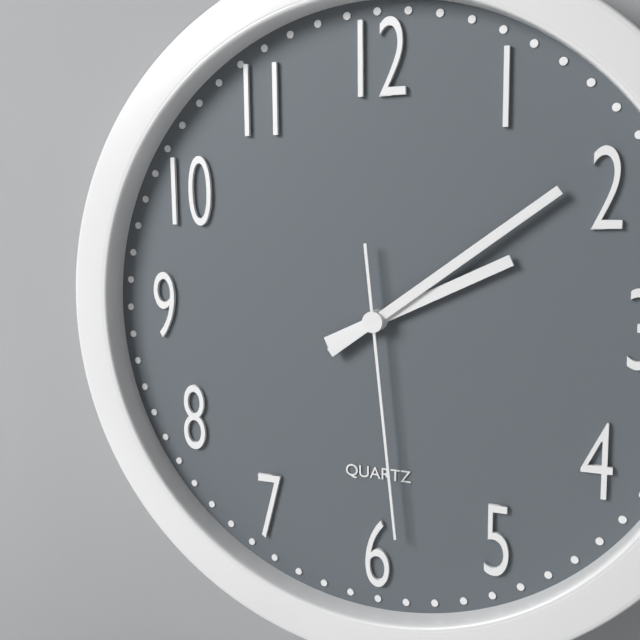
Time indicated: 2h09m29s
